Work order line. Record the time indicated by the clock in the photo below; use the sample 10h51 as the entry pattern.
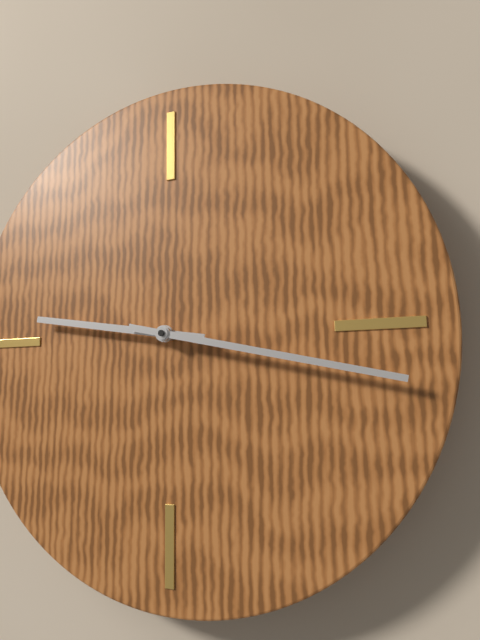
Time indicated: 9h17
